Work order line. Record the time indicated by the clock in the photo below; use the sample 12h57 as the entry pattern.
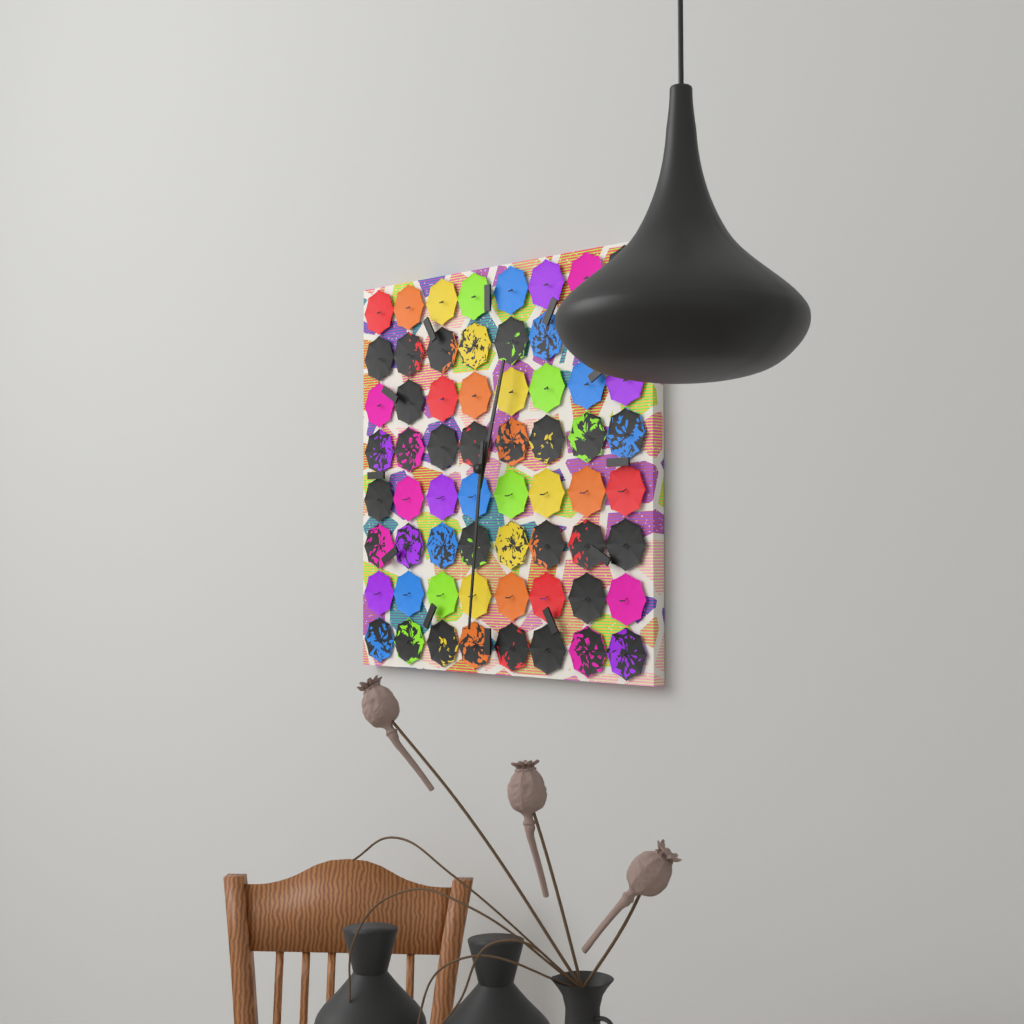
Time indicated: 12h31
